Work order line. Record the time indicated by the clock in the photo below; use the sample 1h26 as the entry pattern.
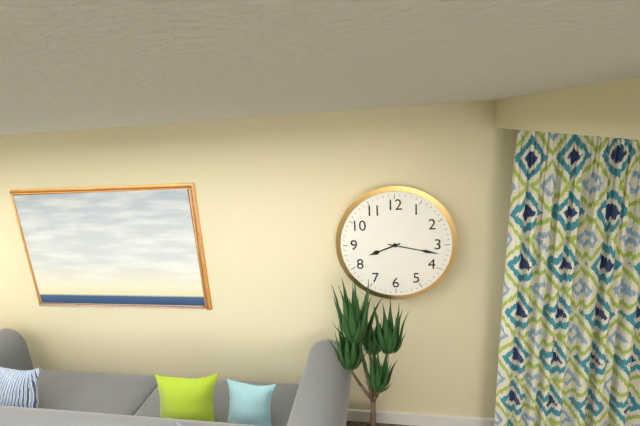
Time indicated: 8h17
